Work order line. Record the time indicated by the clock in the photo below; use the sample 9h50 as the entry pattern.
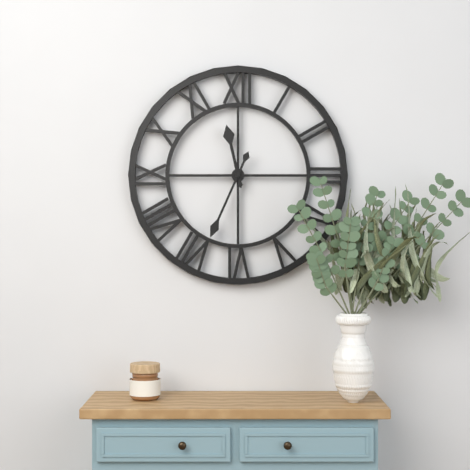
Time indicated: 11h34
